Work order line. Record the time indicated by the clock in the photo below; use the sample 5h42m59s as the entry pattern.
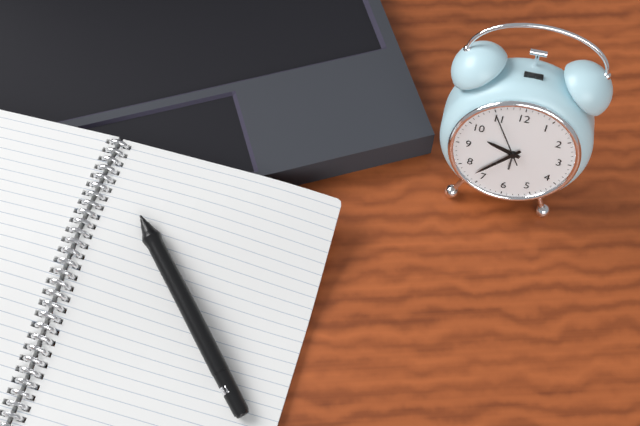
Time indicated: 9h37m55s
